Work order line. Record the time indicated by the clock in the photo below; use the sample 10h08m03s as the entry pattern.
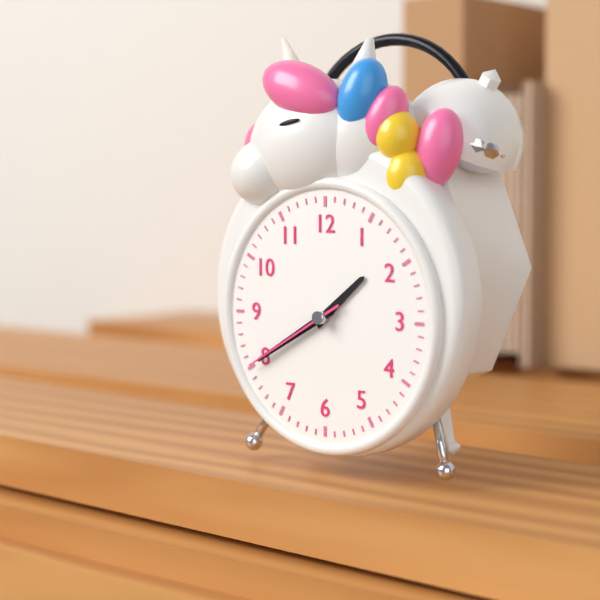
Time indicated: 1h40m40s
